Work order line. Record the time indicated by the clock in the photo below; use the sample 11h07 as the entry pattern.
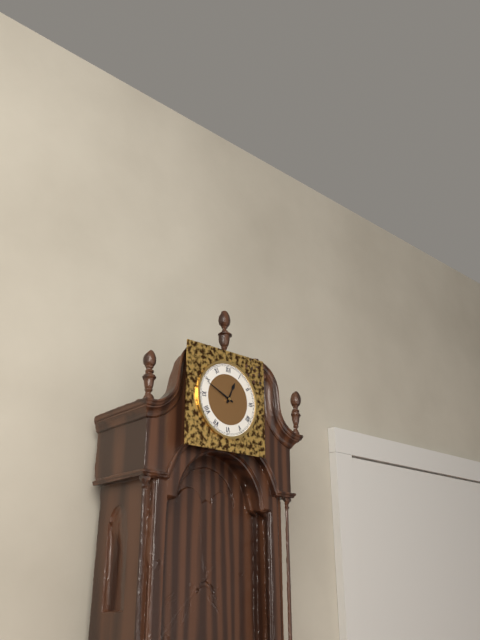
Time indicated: 12h49
